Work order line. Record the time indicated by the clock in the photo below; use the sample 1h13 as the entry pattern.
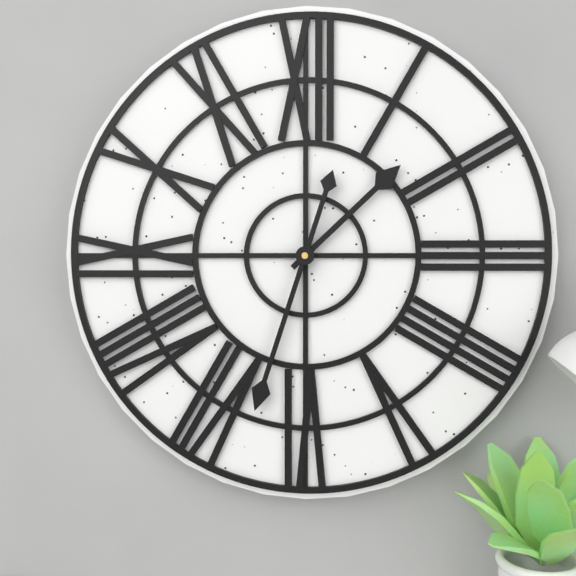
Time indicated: 1h33
